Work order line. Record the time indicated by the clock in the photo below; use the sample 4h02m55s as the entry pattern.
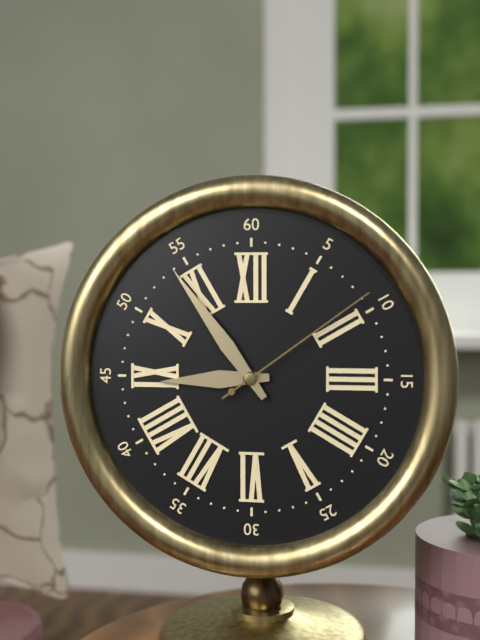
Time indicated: 8h54m09s
